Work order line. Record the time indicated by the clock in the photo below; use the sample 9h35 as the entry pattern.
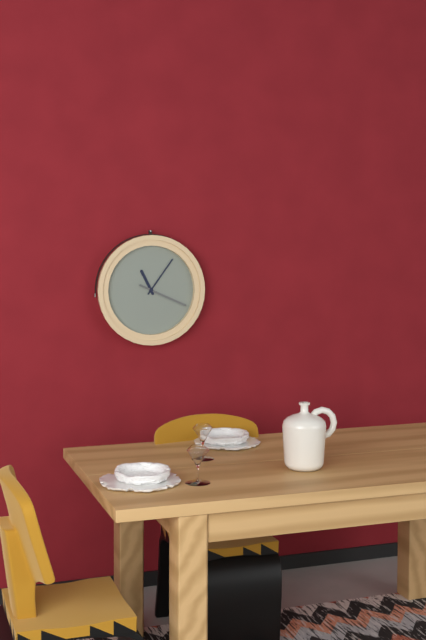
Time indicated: 11h06
